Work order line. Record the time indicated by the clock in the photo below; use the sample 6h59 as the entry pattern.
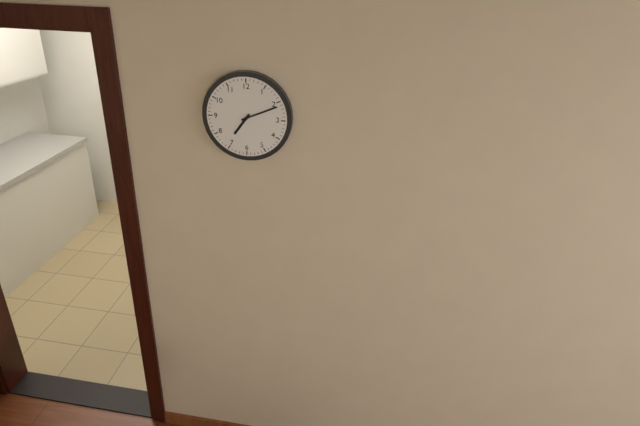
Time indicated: 7h11
